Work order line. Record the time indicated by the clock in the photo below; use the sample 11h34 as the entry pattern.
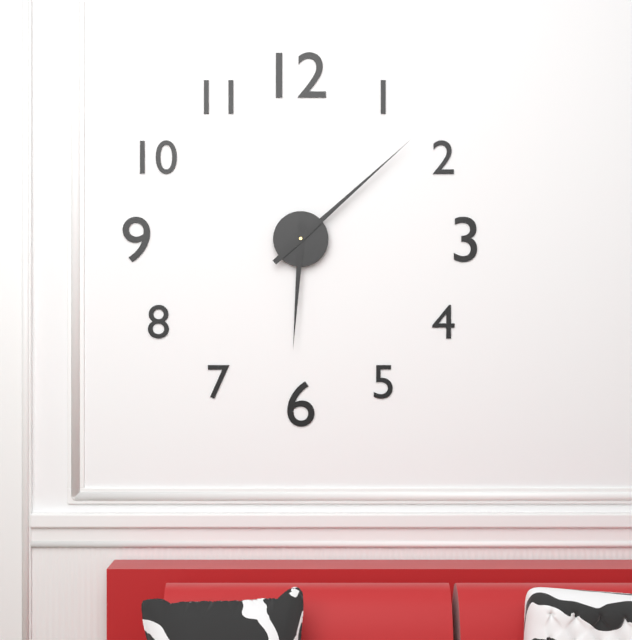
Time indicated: 6h08
